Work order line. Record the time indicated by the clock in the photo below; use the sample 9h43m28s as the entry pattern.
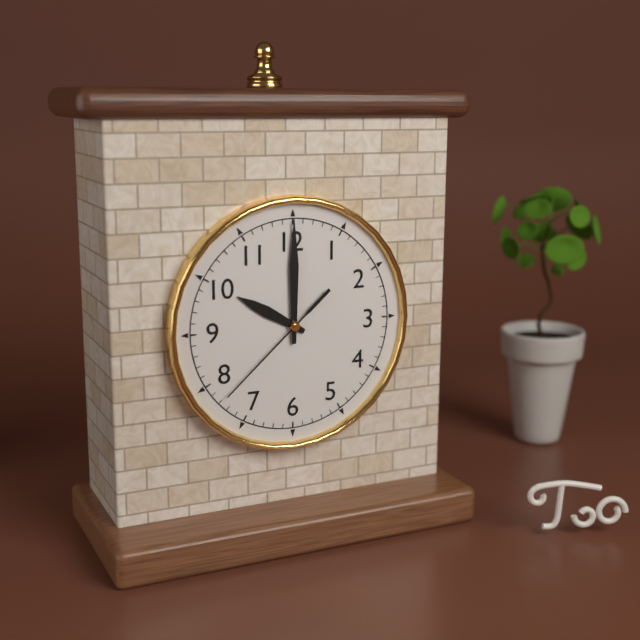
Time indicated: 10h00m38s
